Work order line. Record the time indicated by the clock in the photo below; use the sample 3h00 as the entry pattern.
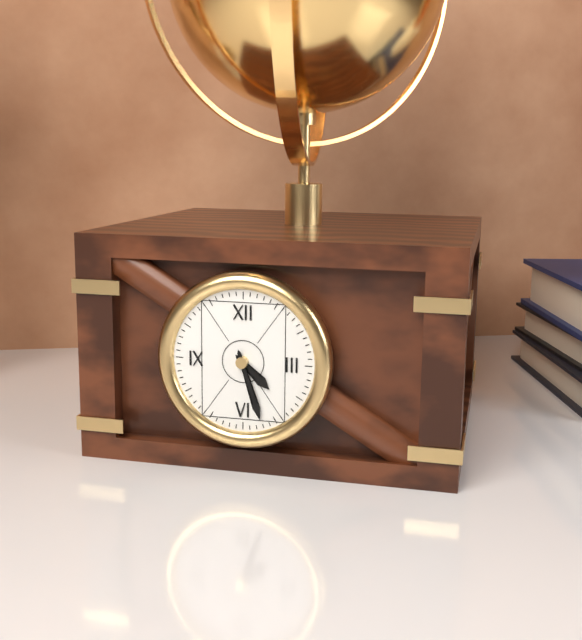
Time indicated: 4h27
